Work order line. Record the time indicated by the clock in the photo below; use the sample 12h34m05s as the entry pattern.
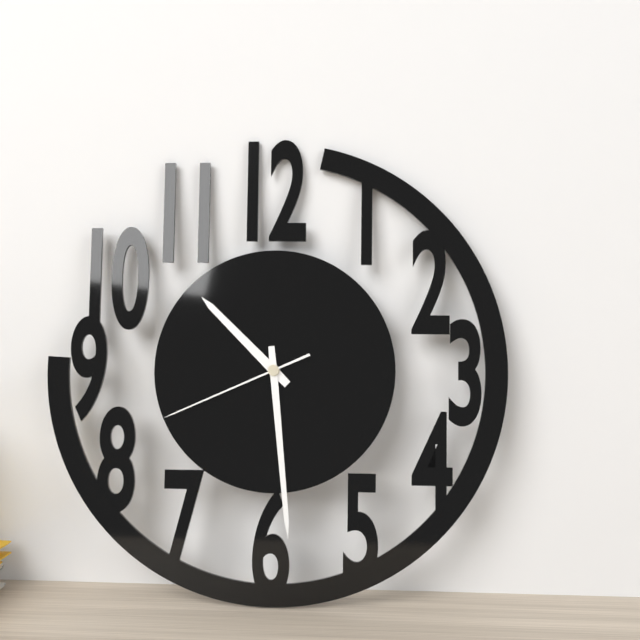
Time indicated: 10h29m41s
